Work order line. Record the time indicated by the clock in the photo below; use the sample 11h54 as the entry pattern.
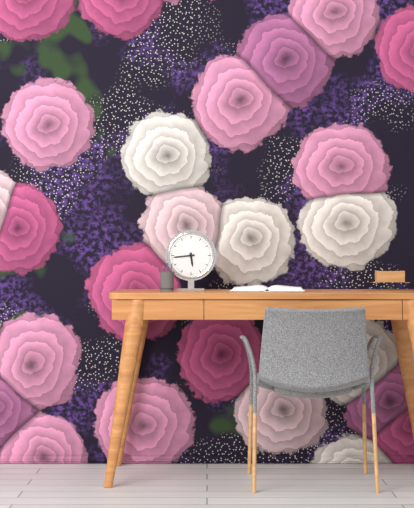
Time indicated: 5h44
